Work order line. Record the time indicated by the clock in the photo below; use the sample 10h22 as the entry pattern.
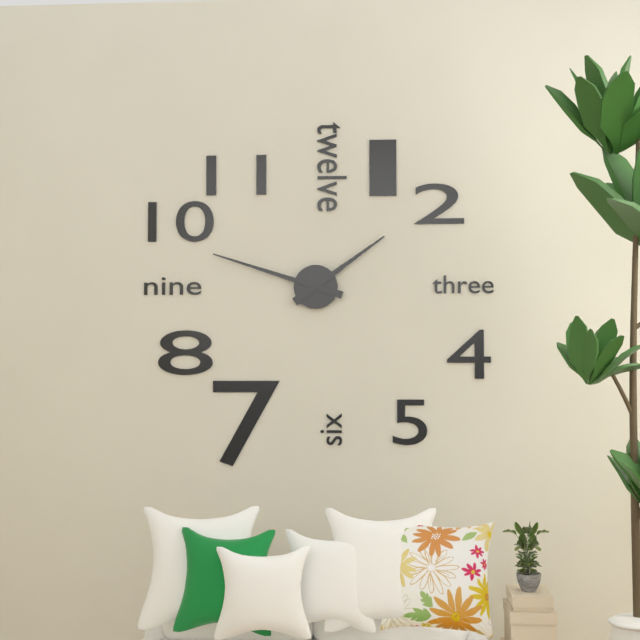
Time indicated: 1h48
